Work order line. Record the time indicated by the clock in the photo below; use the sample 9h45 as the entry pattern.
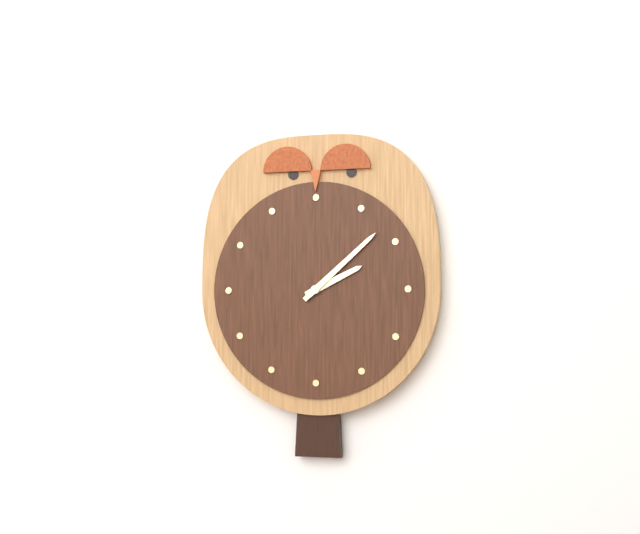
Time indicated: 2h08
